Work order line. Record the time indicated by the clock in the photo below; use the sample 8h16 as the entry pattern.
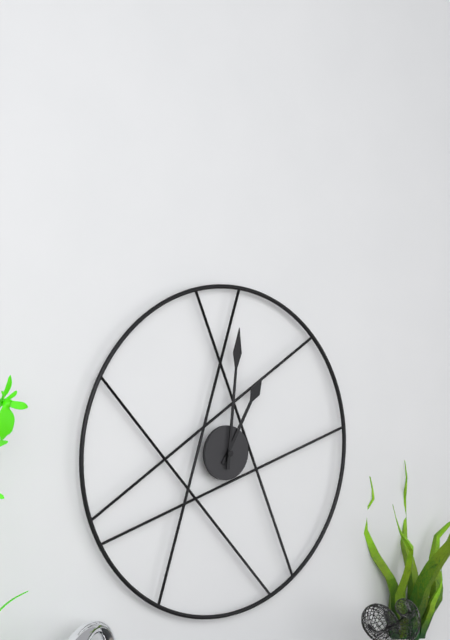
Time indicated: 1h01
